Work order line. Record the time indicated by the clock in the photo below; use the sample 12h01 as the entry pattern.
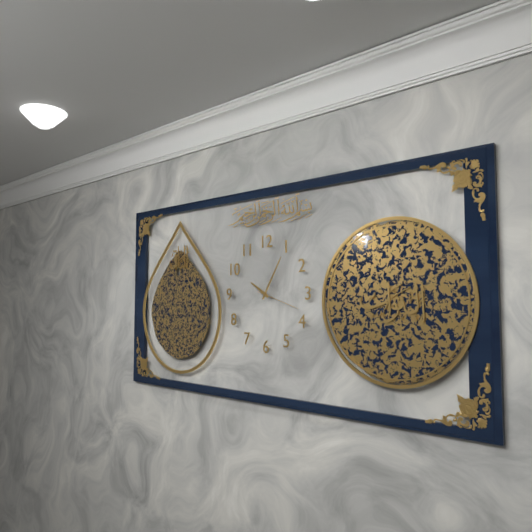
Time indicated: 10h05
